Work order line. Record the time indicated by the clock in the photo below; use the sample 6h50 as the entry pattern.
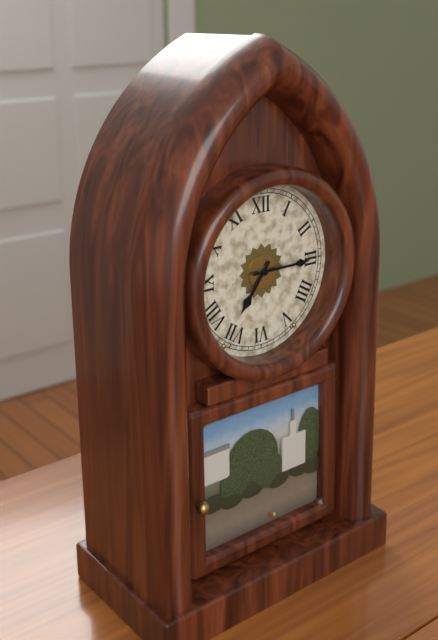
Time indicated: 7h15
